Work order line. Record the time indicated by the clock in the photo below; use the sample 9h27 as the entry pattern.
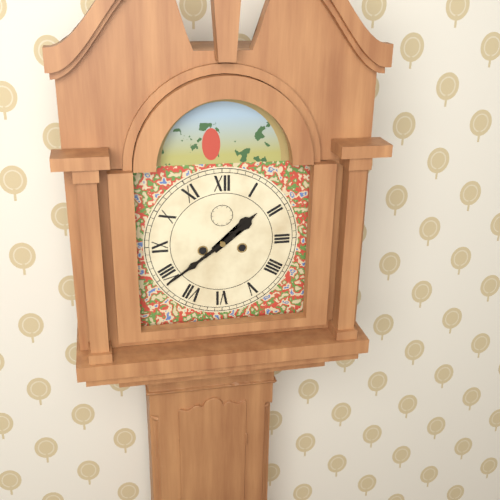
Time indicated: 1h39
